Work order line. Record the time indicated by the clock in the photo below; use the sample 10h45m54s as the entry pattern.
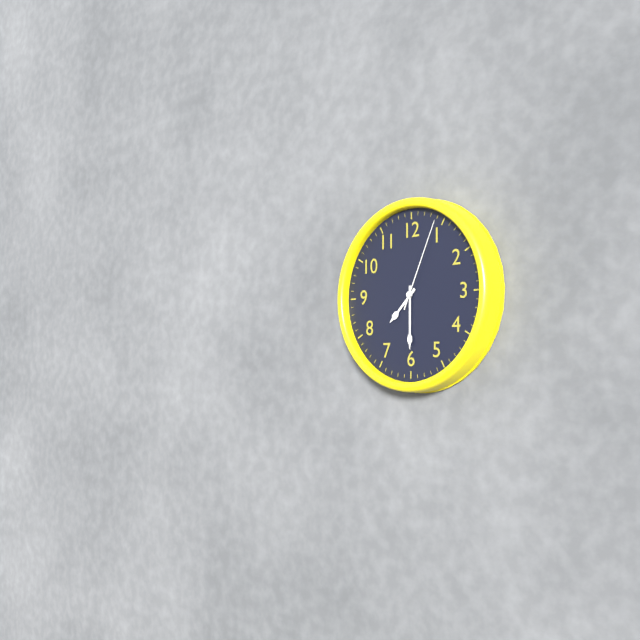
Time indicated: 7h30m04s
